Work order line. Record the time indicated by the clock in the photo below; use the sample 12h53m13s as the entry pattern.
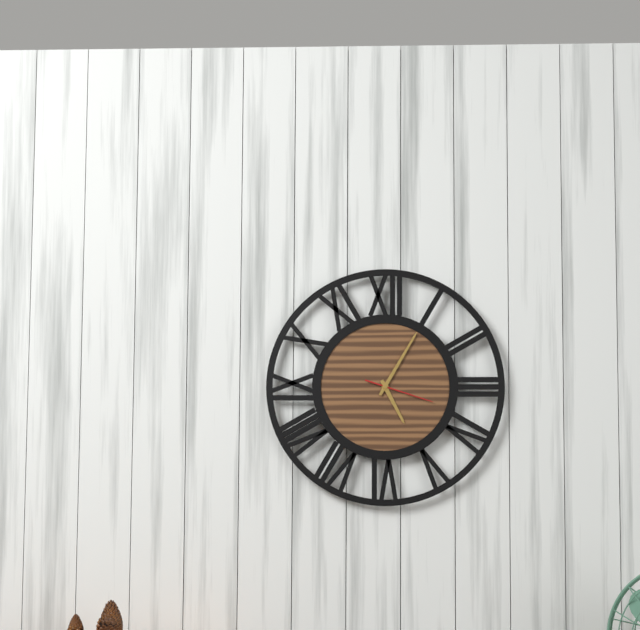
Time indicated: 5h05m18s
